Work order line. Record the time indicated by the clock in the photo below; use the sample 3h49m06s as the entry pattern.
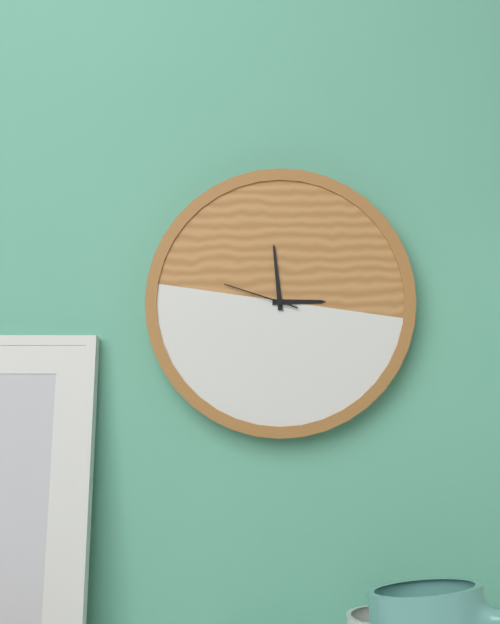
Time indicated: 2h59m48s
